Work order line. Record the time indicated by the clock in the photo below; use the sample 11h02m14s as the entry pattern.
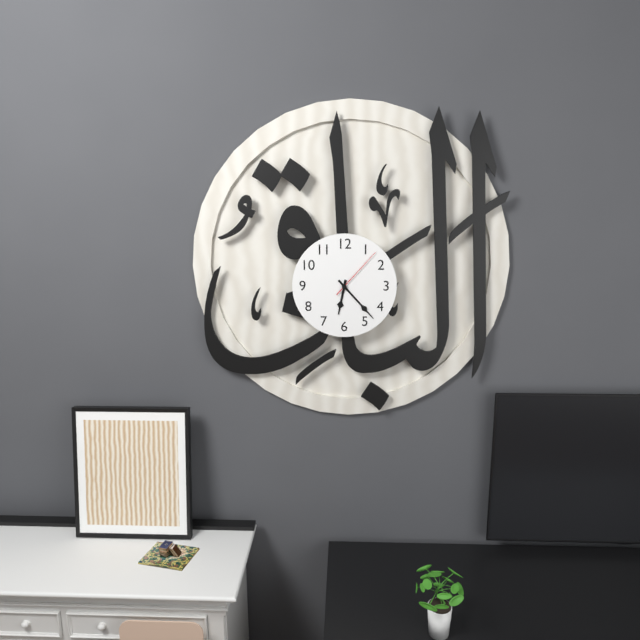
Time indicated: 6h23m07s
